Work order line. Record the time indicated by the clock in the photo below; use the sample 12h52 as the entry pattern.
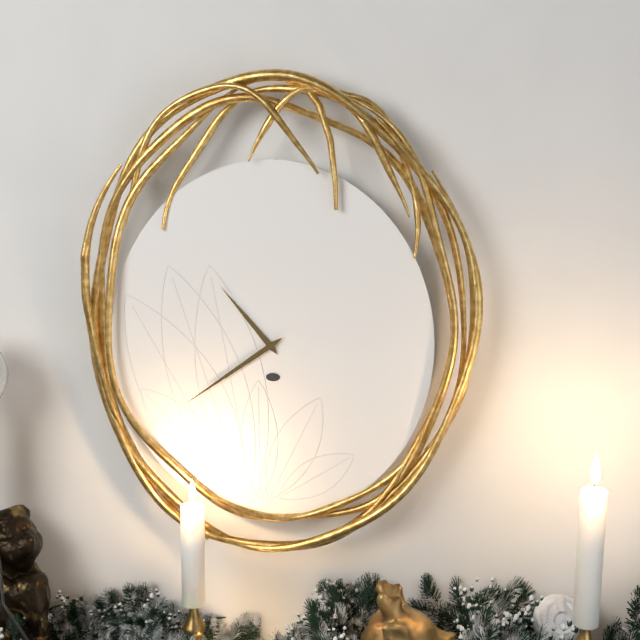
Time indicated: 10h39
